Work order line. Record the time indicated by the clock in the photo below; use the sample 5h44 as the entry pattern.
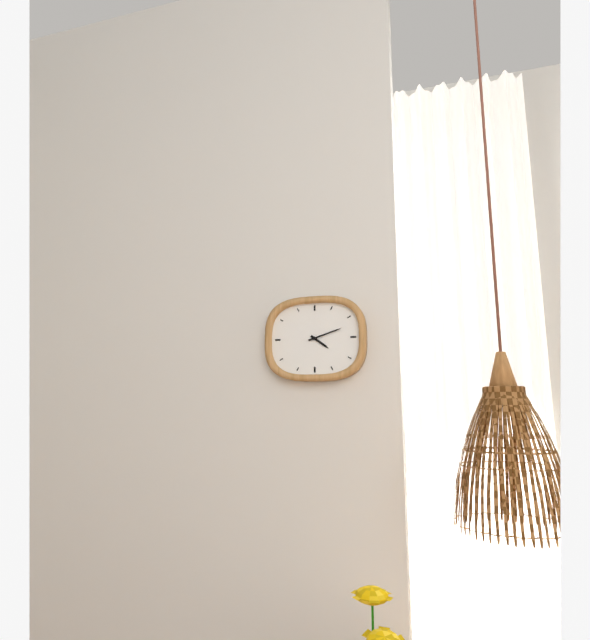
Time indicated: 4h12
